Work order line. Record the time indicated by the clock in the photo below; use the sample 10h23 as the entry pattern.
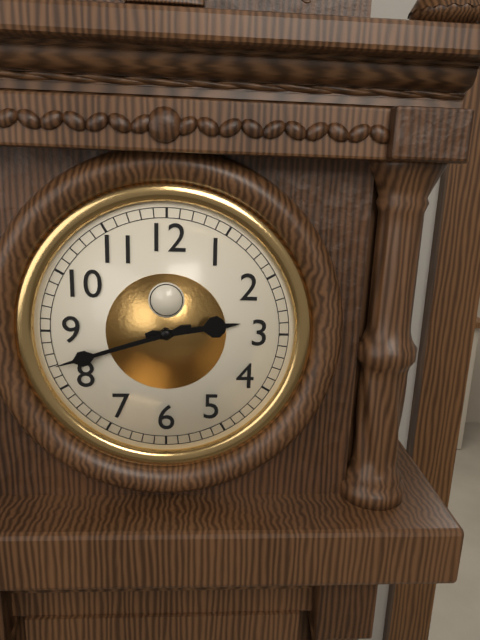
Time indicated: 2h42
